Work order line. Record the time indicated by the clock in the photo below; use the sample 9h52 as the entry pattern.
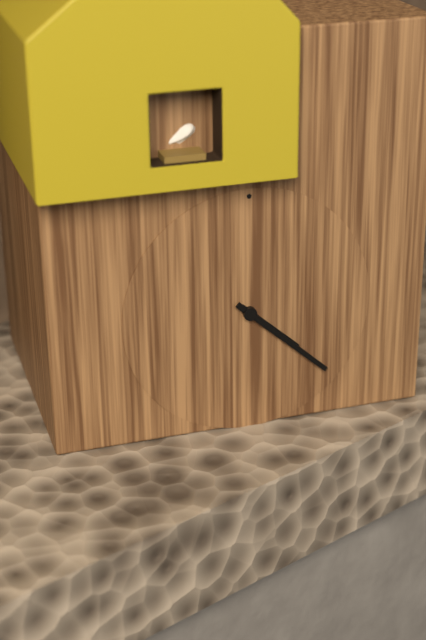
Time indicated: 4h22
